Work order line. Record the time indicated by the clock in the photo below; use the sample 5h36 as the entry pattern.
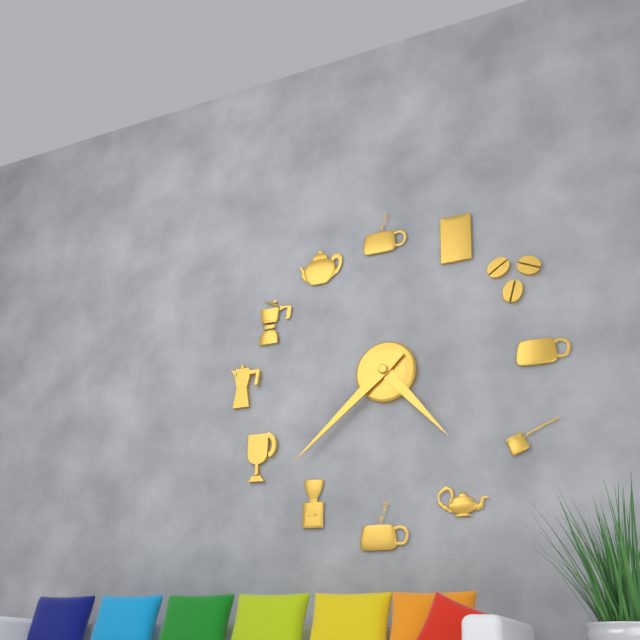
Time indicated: 4h38
